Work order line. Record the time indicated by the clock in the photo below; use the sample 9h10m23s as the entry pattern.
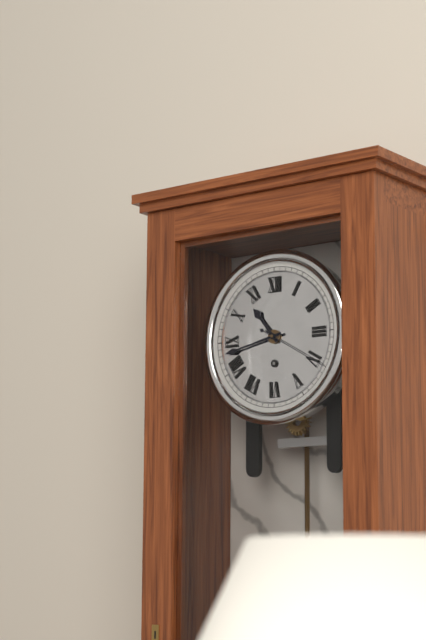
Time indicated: 10h43m20s
